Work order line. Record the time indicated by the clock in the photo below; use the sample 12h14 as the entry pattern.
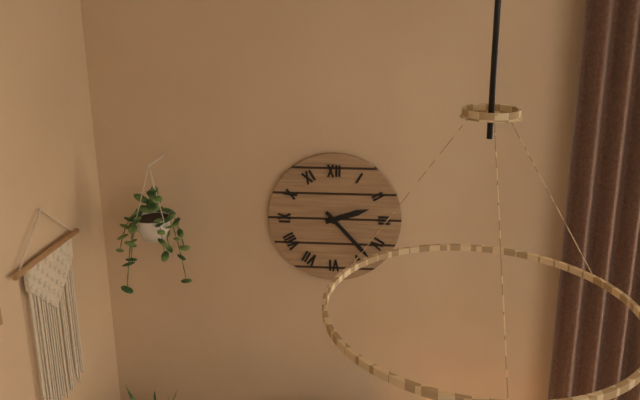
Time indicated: 2h23
